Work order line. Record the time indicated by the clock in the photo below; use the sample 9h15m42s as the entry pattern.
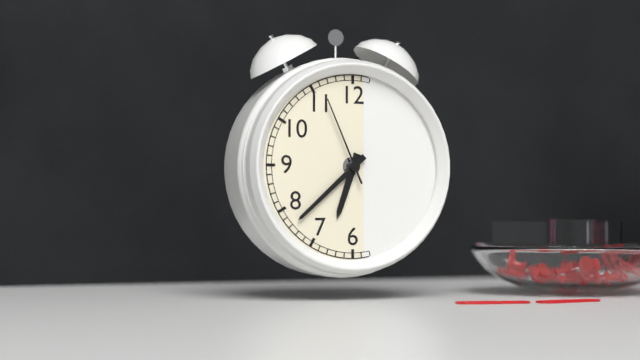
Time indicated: 6h38m56s
